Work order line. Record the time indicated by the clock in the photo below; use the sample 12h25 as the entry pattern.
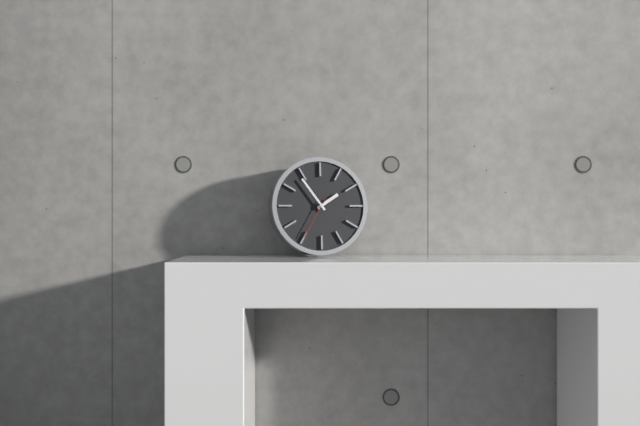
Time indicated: 1h54
